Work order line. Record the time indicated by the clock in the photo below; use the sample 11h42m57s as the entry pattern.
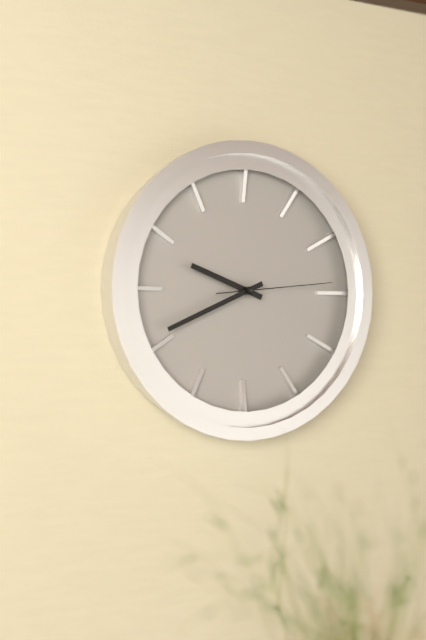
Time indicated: 9h41m14s
